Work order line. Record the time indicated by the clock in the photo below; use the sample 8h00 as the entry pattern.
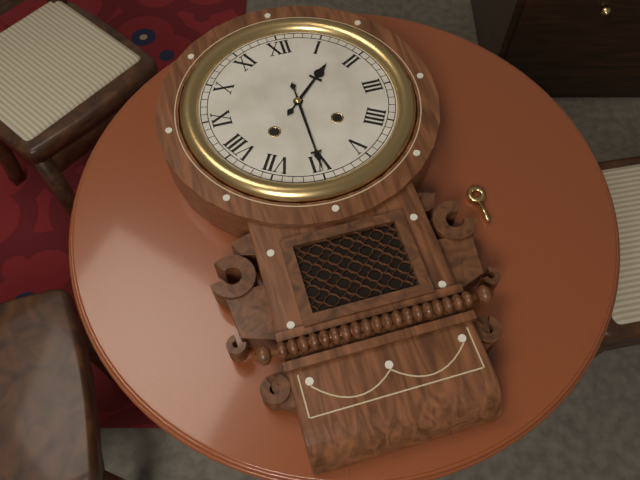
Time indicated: 1h30
